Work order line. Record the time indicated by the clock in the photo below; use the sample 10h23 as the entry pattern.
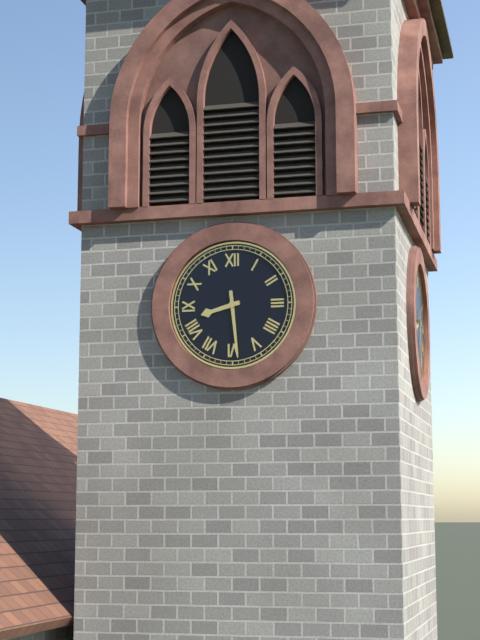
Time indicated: 8h29
